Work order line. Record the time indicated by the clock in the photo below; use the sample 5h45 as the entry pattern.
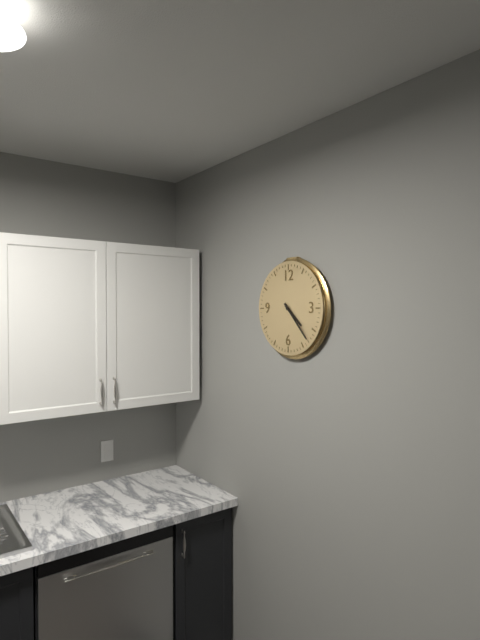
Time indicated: 4h23
